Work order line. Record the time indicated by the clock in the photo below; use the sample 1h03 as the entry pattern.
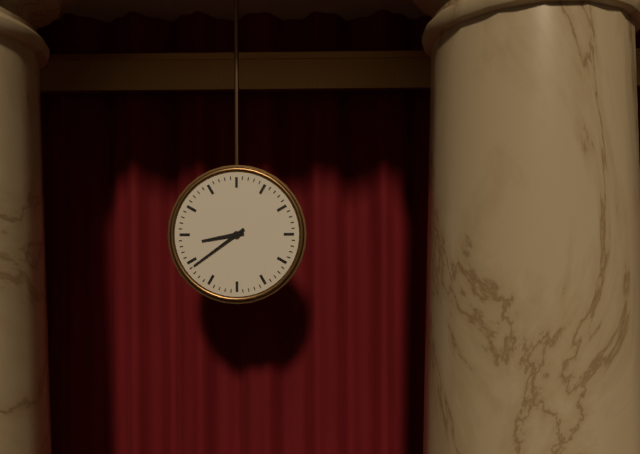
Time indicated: 8h39
